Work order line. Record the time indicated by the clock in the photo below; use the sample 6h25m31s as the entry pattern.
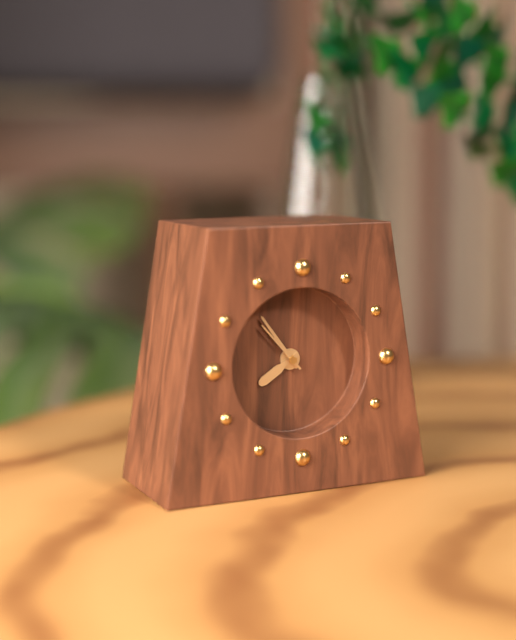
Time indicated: 7h54m53s
